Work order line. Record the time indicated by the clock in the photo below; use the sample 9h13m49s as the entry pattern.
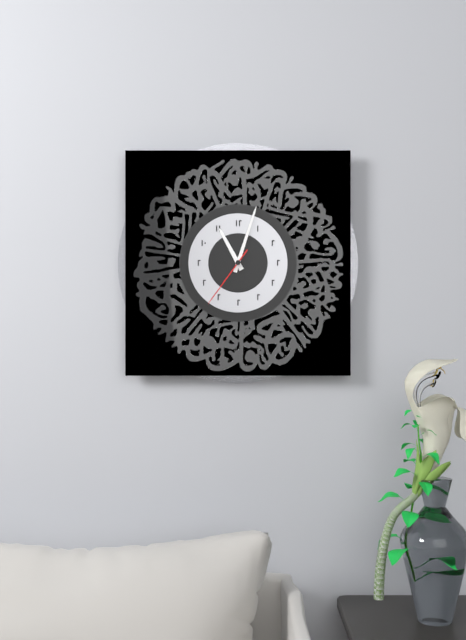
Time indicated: 11h03m36s
